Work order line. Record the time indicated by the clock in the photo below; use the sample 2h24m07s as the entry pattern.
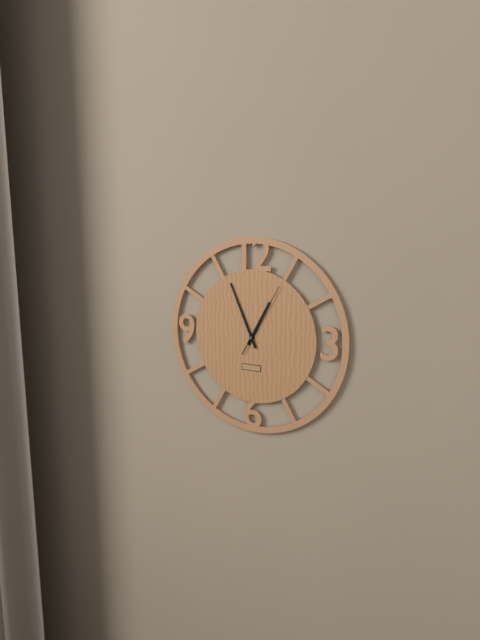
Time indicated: 12h56m05s
